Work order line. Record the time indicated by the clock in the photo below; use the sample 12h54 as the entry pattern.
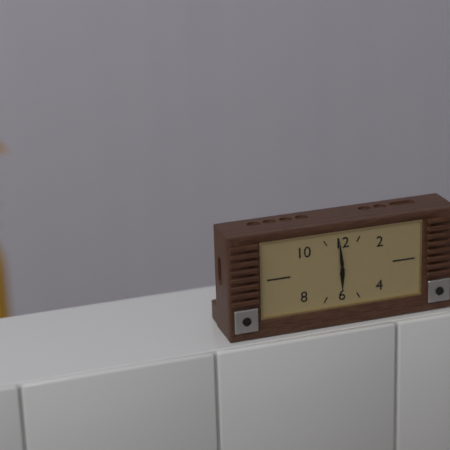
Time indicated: 5h59
